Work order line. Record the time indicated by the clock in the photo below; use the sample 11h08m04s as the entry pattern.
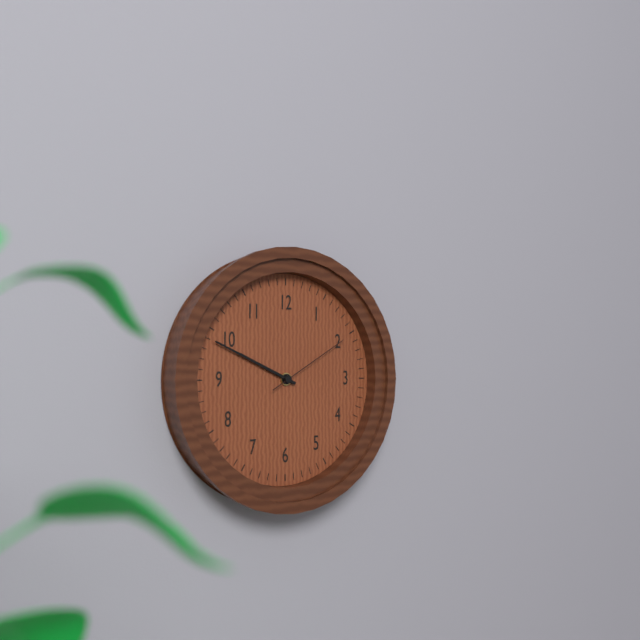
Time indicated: 9h49m10s
